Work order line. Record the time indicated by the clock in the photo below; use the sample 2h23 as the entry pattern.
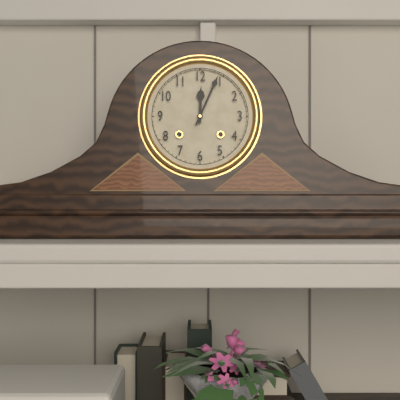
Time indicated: 12h04
